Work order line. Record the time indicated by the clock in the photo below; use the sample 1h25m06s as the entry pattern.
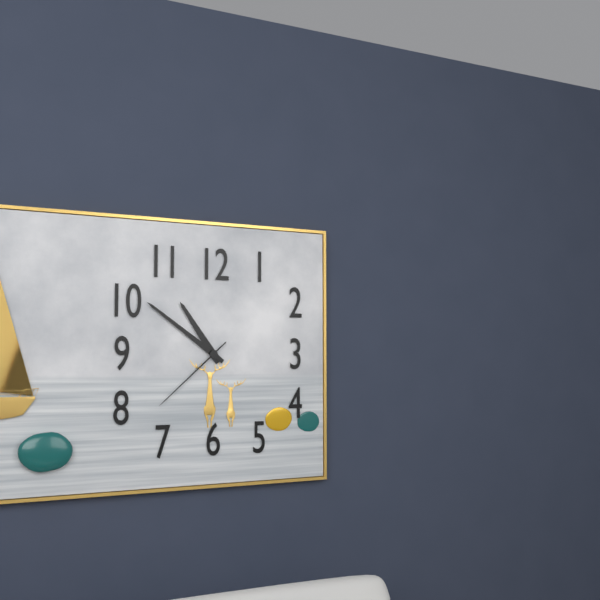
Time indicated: 10h51m38s
